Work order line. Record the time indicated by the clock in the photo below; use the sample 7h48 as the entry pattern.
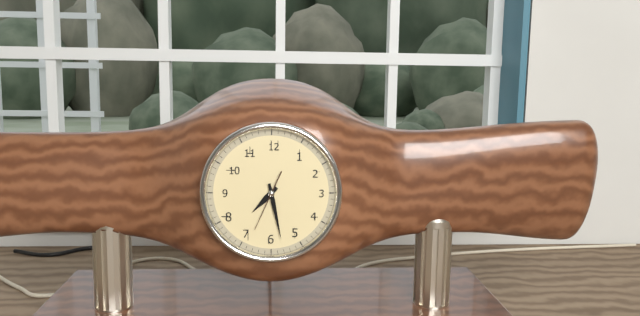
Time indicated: 7h28
